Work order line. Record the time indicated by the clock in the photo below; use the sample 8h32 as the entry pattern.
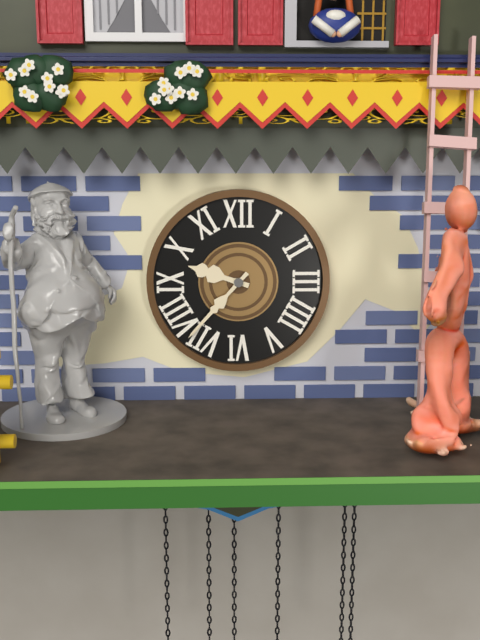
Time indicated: 9h37
